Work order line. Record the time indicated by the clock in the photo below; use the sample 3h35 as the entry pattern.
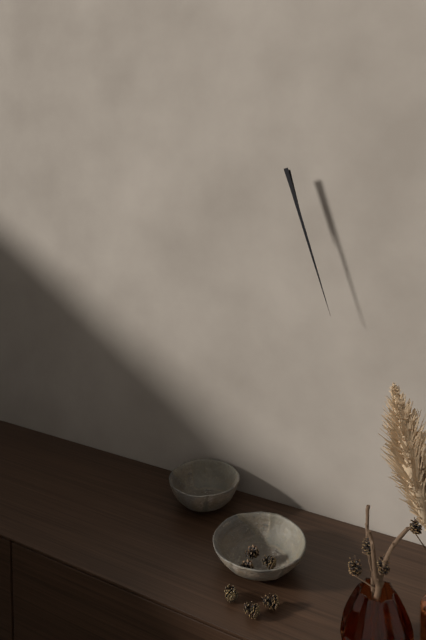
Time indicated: 5h27
